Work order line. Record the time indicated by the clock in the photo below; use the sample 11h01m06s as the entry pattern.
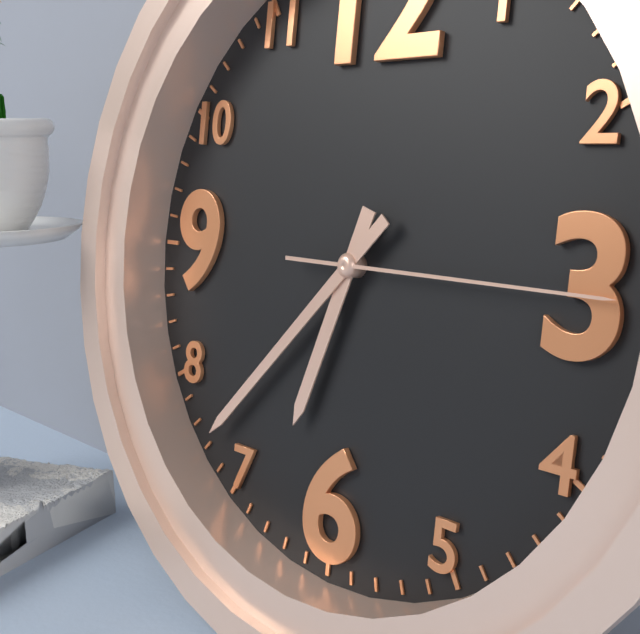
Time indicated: 6h37m15s
